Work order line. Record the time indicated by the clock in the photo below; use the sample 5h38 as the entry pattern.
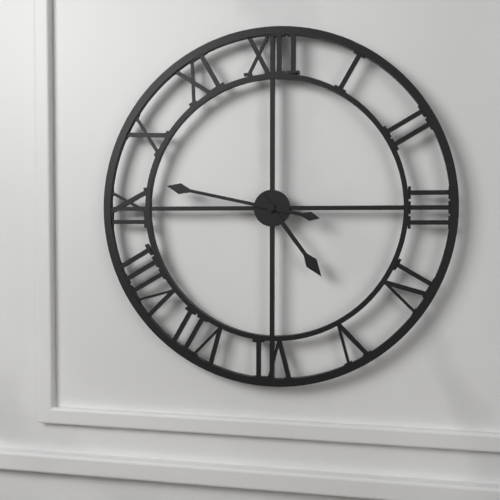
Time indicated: 4h47
